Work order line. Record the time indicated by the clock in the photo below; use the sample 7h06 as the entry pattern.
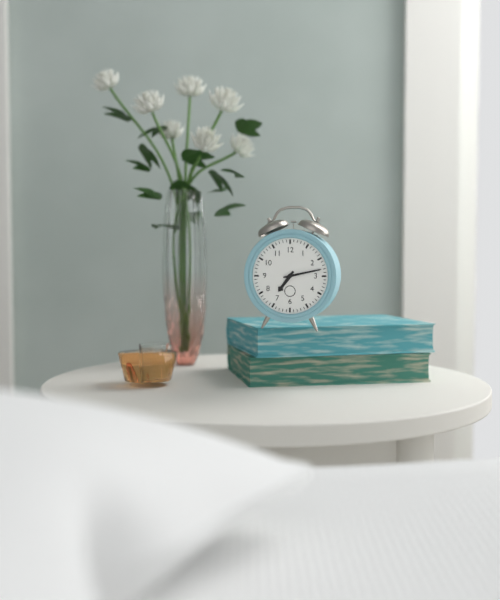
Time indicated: 7h13
